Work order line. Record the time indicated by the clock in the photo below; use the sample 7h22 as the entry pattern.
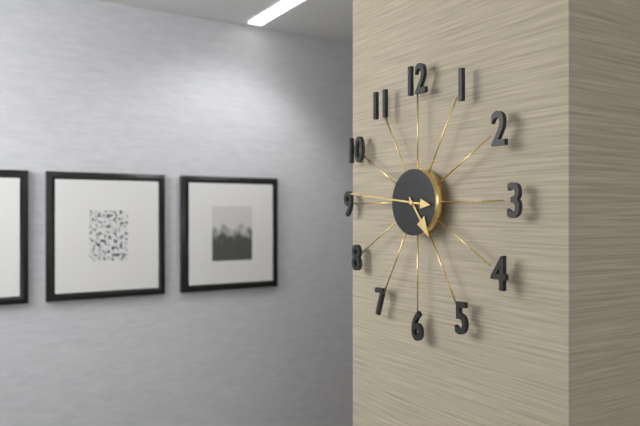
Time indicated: 4h46
